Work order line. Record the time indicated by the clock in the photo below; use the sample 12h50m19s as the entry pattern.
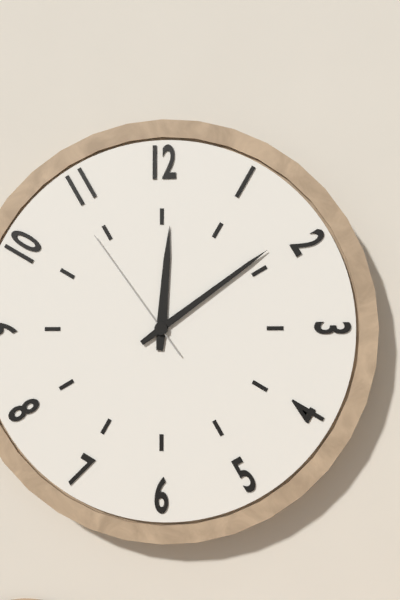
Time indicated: 12h09m54s
